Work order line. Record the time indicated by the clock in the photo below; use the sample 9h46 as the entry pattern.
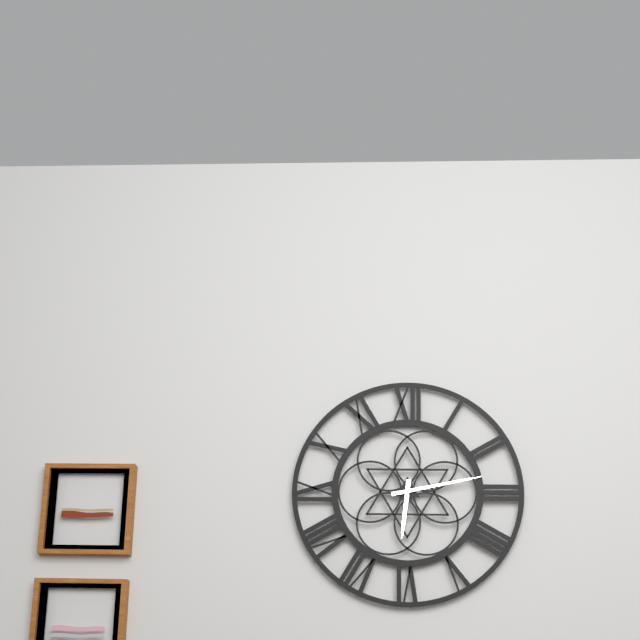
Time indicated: 6h13
